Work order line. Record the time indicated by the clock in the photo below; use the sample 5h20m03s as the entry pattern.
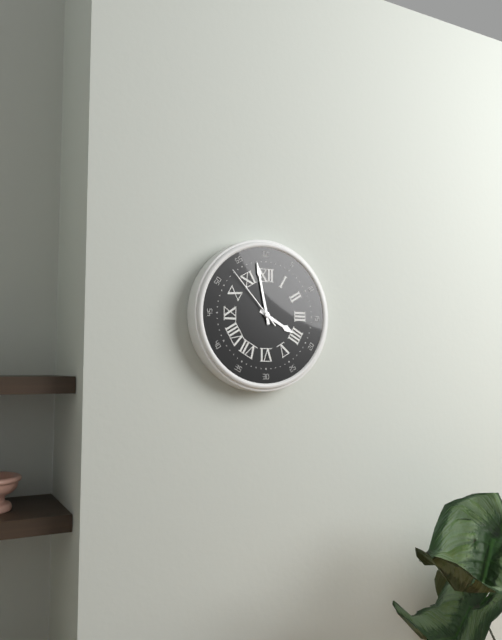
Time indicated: 3h58m53s
